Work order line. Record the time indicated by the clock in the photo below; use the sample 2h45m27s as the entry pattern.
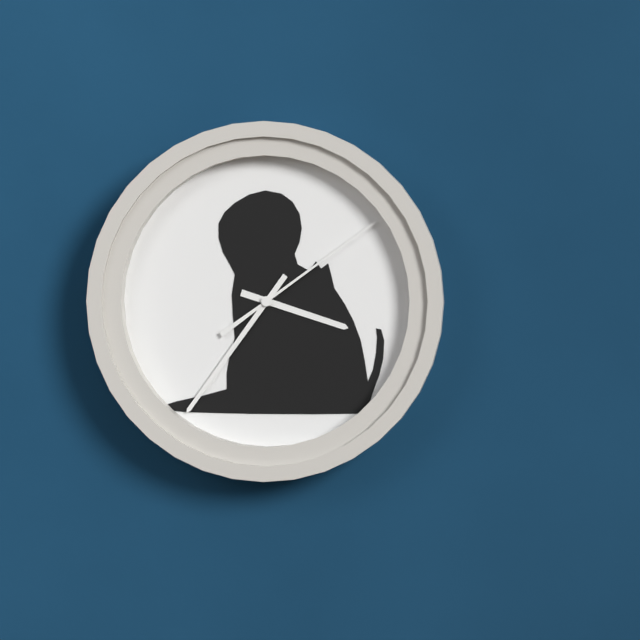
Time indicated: 3h36m09s
